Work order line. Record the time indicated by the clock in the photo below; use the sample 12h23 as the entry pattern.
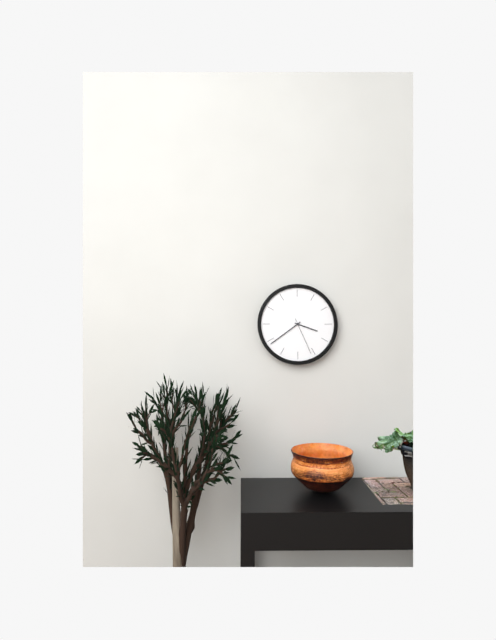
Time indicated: 3h39
